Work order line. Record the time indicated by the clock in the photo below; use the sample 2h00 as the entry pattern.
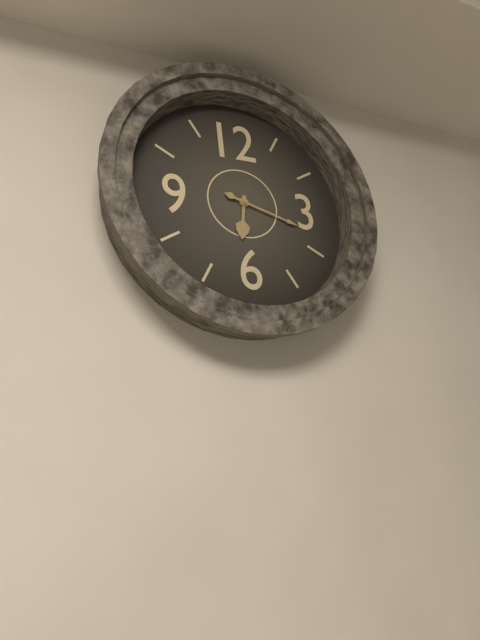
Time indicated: 6h18
